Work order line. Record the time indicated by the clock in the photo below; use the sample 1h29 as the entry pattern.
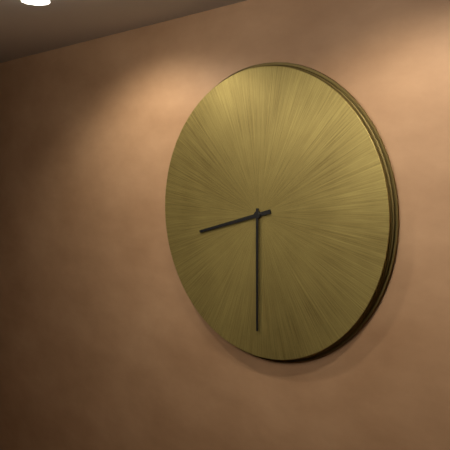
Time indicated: 8h30
